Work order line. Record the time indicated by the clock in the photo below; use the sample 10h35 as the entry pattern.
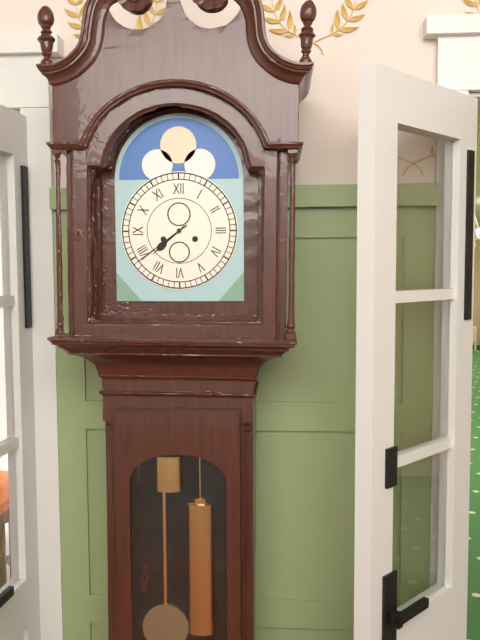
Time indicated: 7h39
